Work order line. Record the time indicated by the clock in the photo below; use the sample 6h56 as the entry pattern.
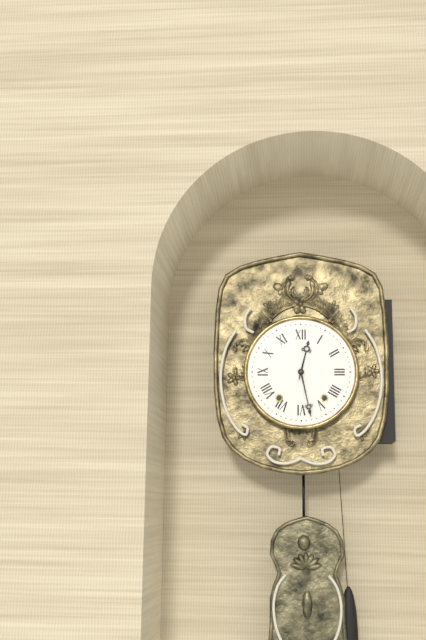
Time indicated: 12h28
